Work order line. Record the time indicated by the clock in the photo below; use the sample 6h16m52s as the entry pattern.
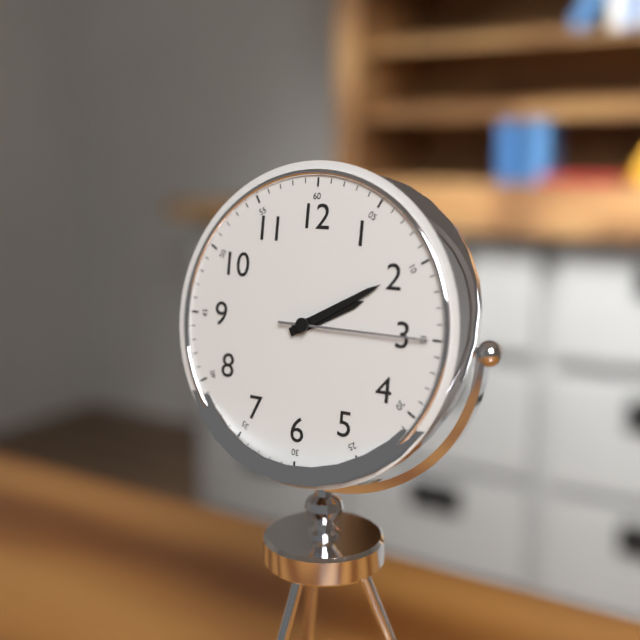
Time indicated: 2h10m15s
